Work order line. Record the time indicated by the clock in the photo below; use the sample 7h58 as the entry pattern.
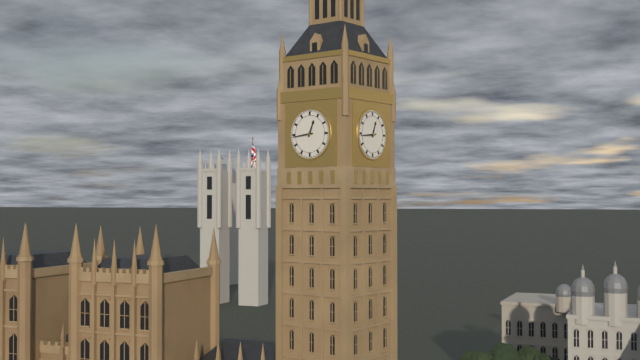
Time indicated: 12h44
